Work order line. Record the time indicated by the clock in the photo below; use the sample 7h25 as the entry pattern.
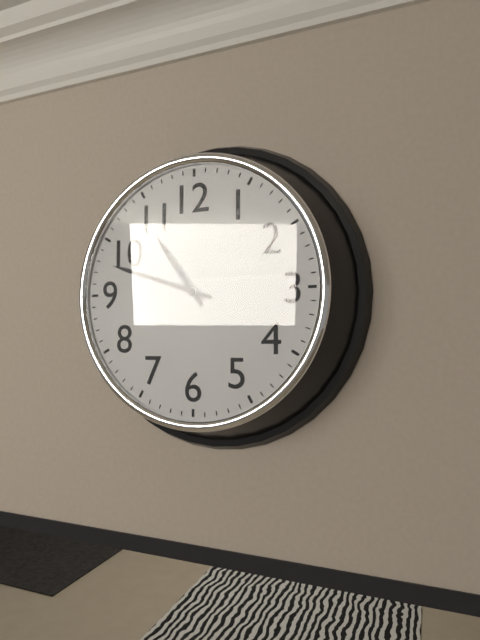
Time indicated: 10h48
